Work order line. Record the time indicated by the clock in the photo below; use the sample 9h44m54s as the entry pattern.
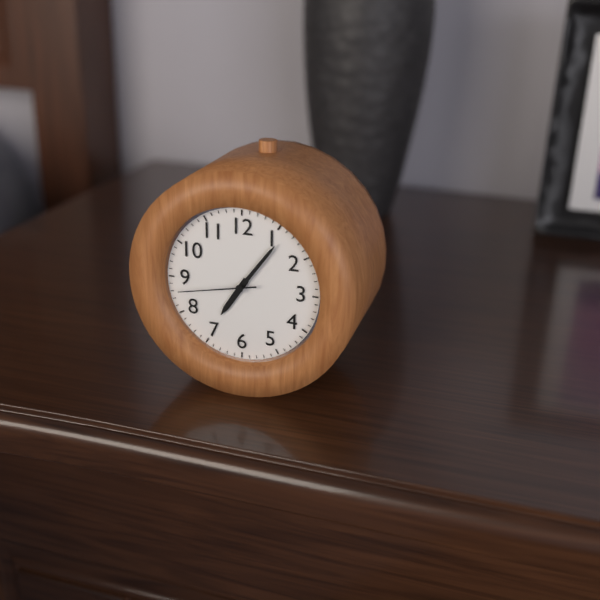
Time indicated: 7h06m43s
